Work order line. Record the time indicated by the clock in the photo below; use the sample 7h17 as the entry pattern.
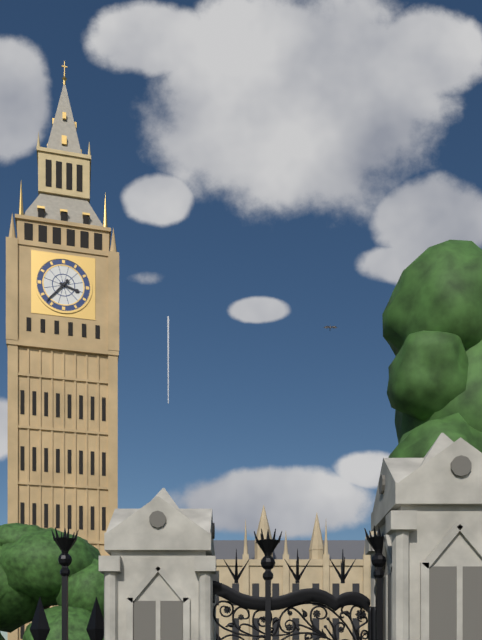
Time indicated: 3h37
